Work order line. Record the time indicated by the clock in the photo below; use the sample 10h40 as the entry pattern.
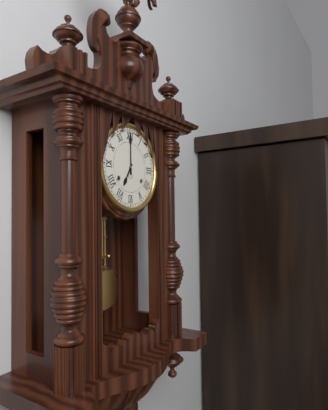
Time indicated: 7h00
